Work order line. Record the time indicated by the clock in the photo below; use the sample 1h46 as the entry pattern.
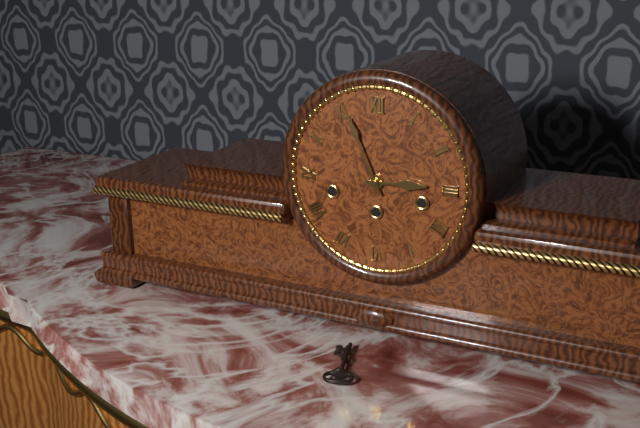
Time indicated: 2h56
